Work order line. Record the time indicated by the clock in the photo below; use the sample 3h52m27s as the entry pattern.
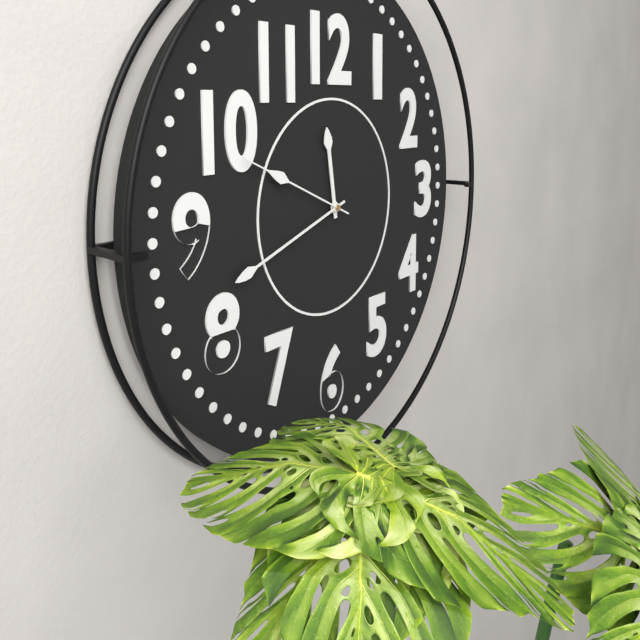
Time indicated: 11h42m49s
